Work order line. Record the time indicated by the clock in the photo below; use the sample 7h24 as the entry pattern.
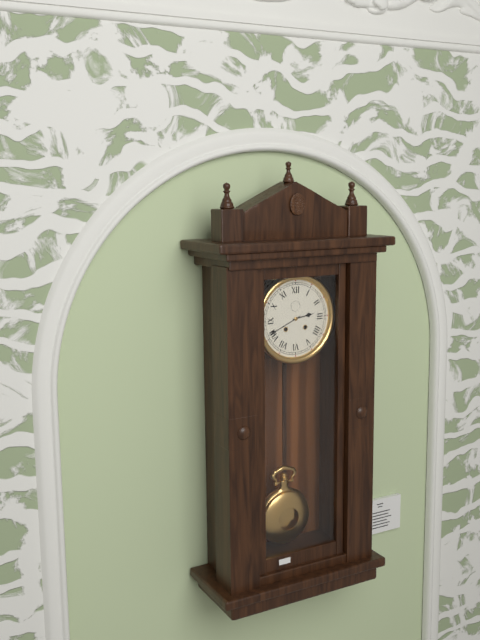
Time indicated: 2h41
